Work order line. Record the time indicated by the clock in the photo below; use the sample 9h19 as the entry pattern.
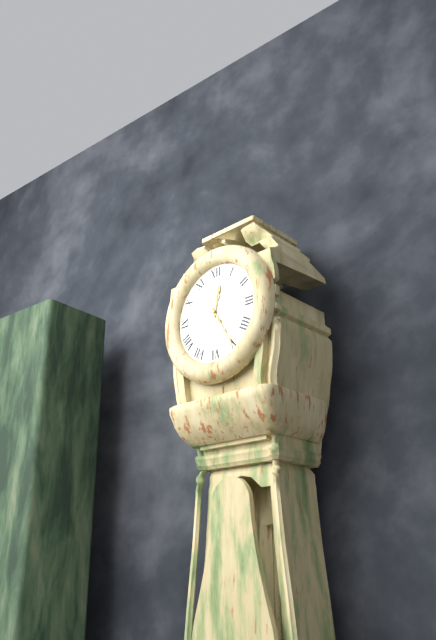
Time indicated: 12h25
